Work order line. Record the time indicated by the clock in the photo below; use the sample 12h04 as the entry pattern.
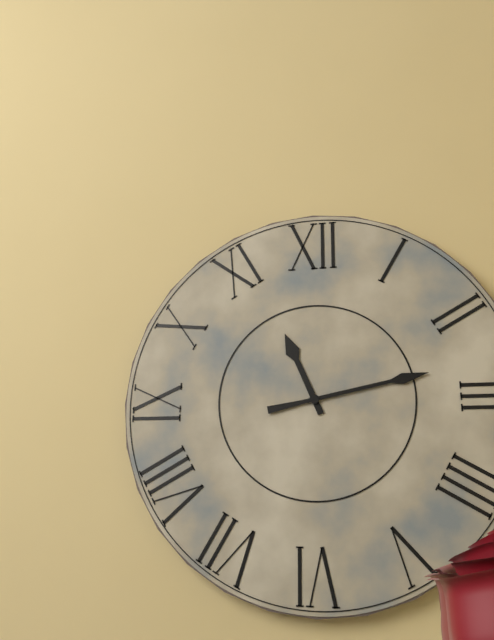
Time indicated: 11h13
